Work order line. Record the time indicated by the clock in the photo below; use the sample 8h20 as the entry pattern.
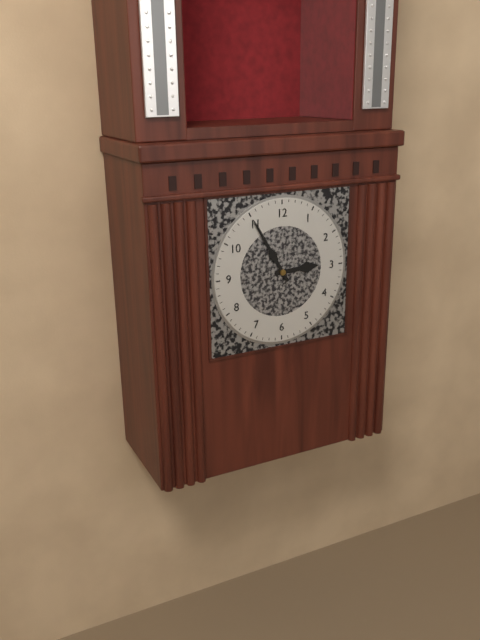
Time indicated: 2h55
